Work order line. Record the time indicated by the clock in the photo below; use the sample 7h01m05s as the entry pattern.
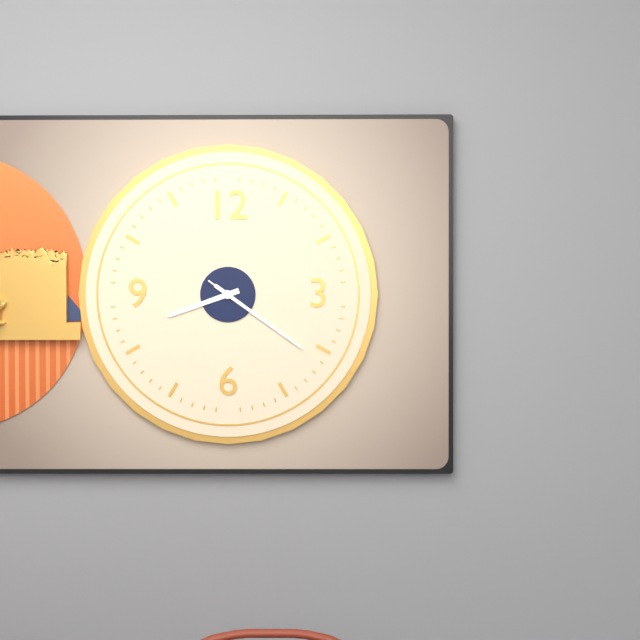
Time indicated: 8h21m21s
